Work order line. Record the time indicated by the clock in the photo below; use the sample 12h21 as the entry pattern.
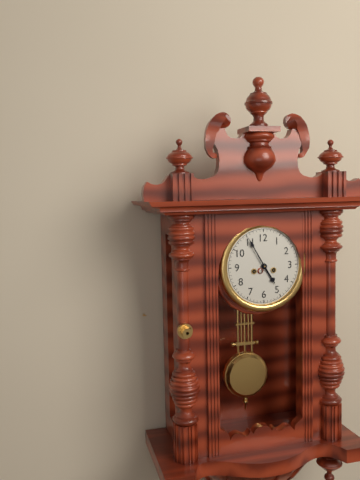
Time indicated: 4h55
